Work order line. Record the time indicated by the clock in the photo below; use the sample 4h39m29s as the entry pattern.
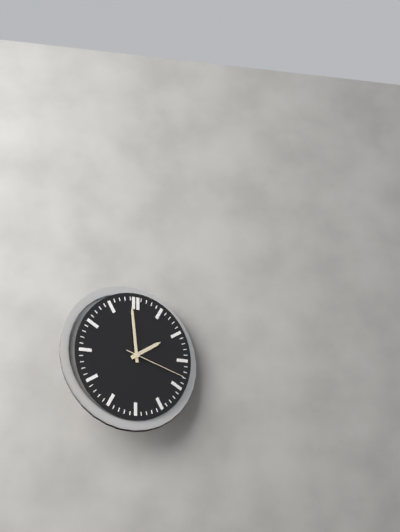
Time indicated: 1h59m18s
